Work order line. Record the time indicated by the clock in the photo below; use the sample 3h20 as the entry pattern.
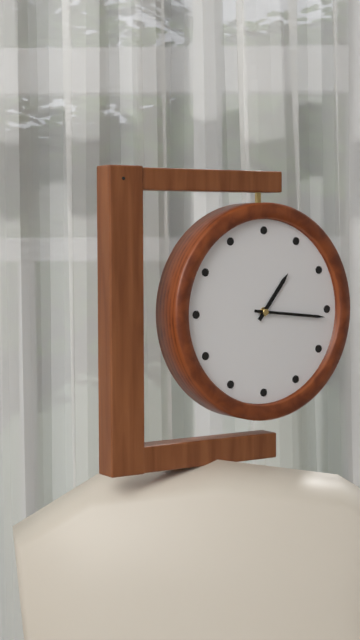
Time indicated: 1h16
